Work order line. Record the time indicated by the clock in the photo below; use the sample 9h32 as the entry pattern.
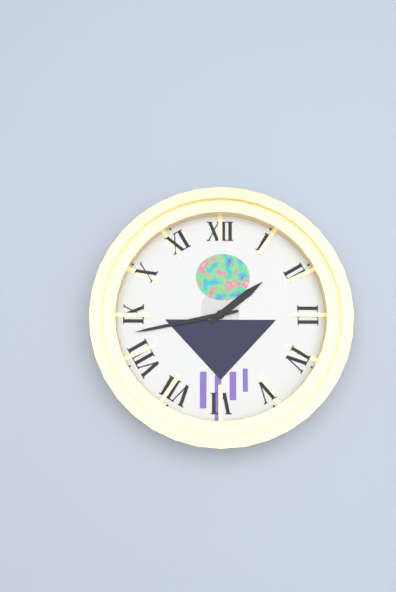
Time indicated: 1h43
